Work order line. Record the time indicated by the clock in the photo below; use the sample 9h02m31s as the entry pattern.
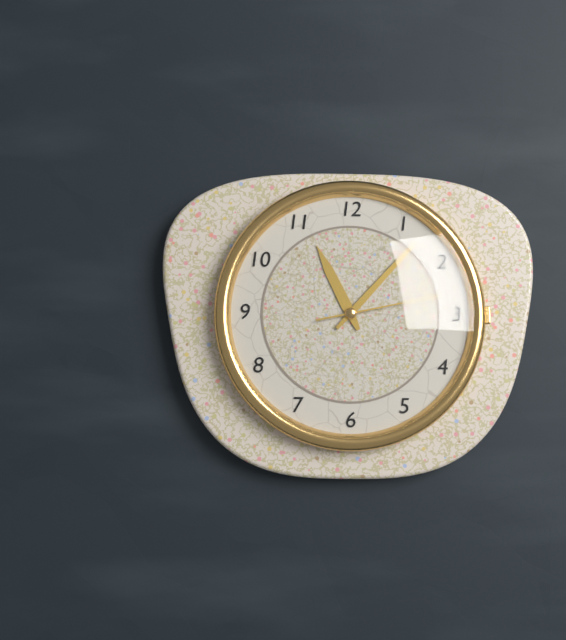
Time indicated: 11h07m13s
